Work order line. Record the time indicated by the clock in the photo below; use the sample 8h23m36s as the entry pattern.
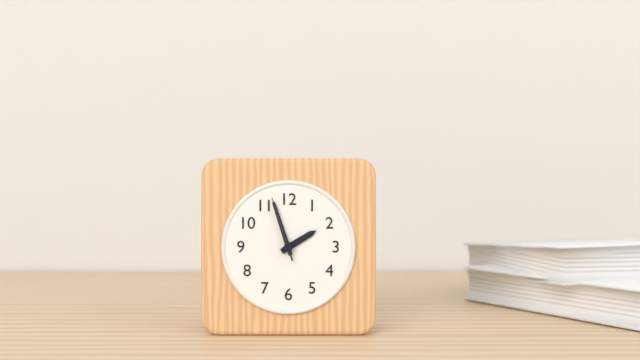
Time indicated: 1h57m57s
